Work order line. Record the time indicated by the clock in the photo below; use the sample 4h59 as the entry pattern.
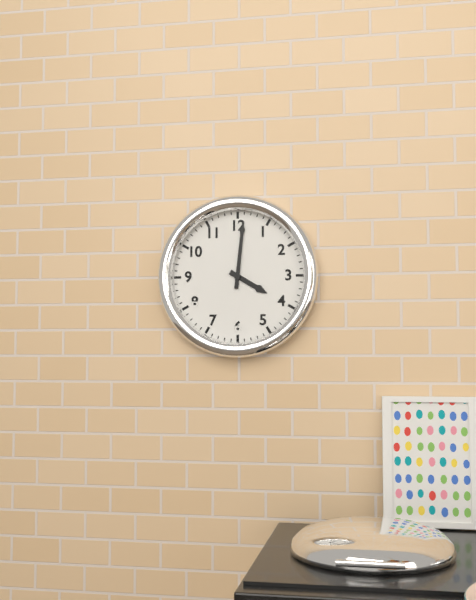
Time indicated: 4h01
